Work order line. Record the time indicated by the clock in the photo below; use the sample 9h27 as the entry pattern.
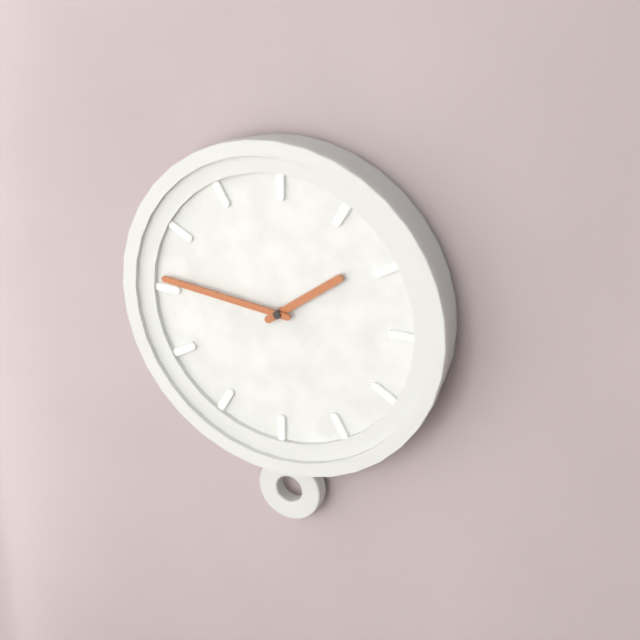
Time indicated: 1h46
